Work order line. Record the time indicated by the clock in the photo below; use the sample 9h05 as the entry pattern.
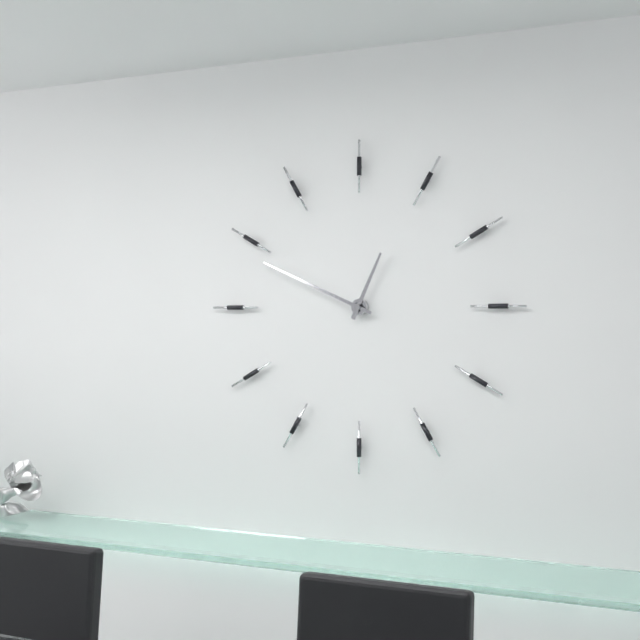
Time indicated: 12h49
